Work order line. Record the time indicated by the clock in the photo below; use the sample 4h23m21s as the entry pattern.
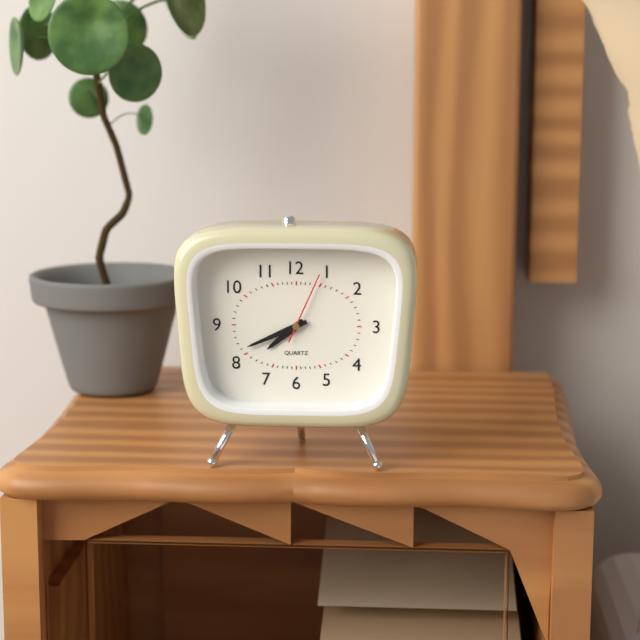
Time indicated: 7h41m04s
